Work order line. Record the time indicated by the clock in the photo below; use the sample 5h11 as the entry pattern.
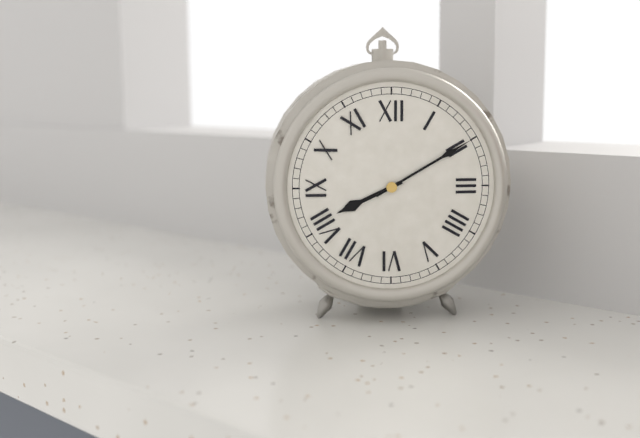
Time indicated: 8h10
